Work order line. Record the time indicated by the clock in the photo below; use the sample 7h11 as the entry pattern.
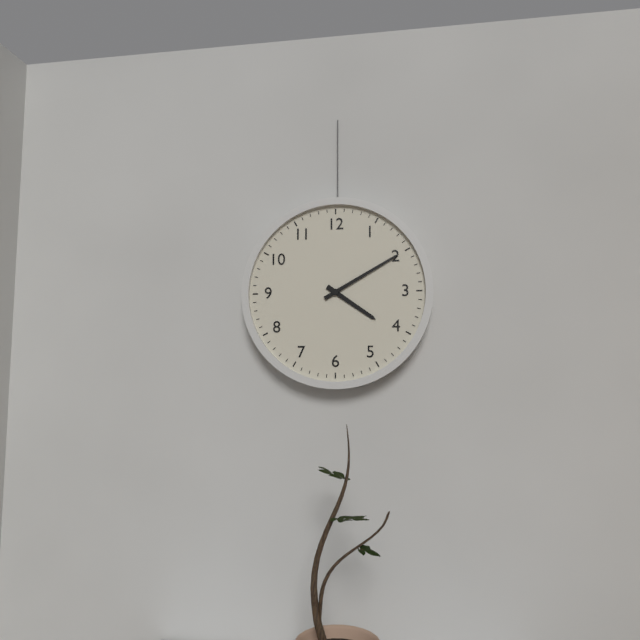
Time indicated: 4h10
